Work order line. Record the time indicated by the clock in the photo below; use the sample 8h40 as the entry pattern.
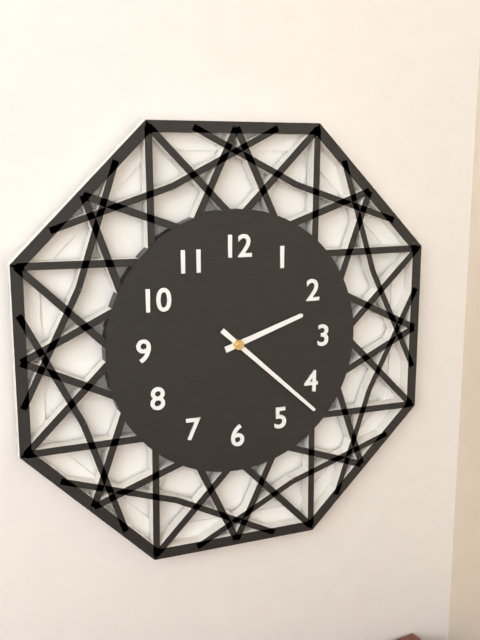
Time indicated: 2h22
